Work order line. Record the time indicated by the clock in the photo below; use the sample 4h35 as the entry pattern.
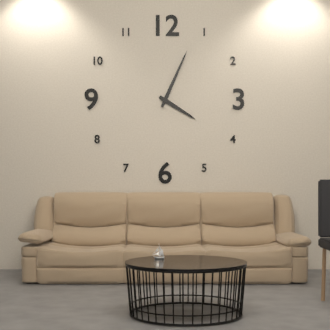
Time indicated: 4h04
